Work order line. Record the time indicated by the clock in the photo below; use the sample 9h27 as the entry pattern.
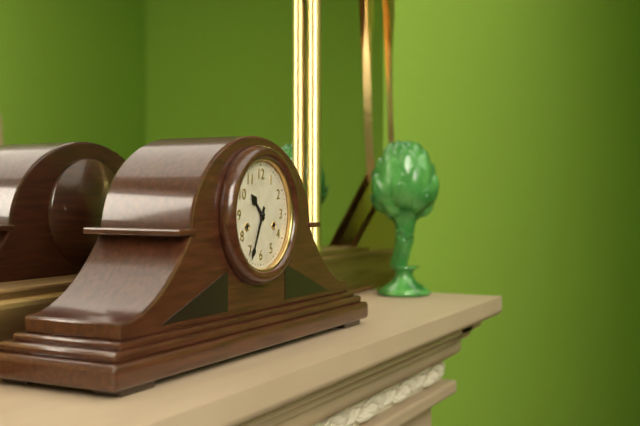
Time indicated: 10h34
